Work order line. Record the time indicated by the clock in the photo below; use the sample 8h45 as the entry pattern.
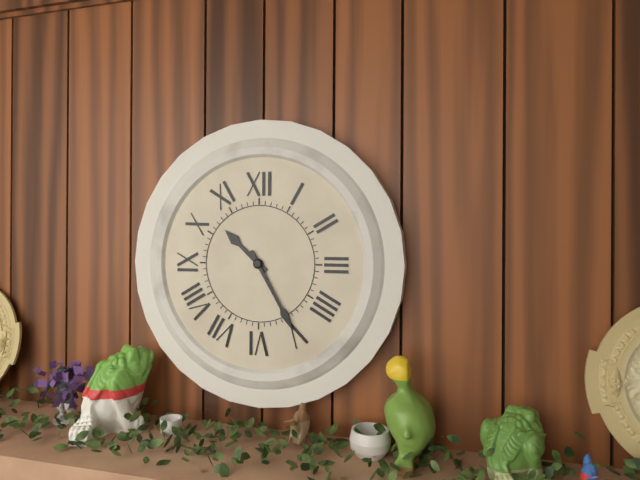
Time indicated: 10h25
